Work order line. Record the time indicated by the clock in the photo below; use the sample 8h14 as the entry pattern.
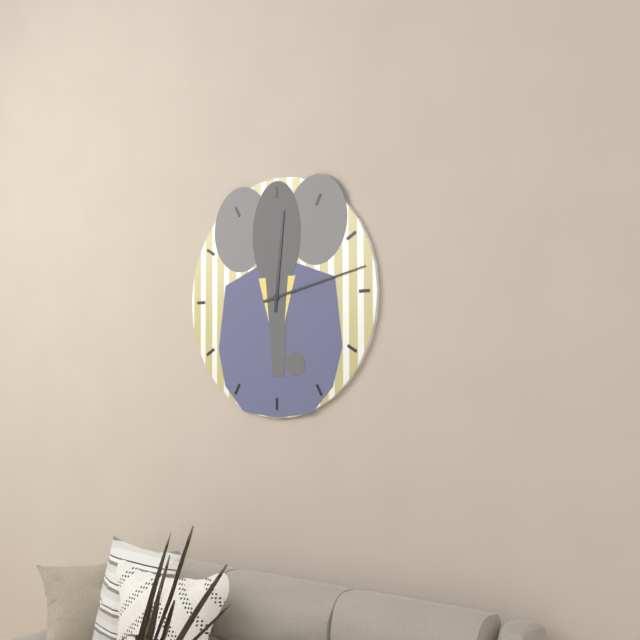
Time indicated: 12h13
